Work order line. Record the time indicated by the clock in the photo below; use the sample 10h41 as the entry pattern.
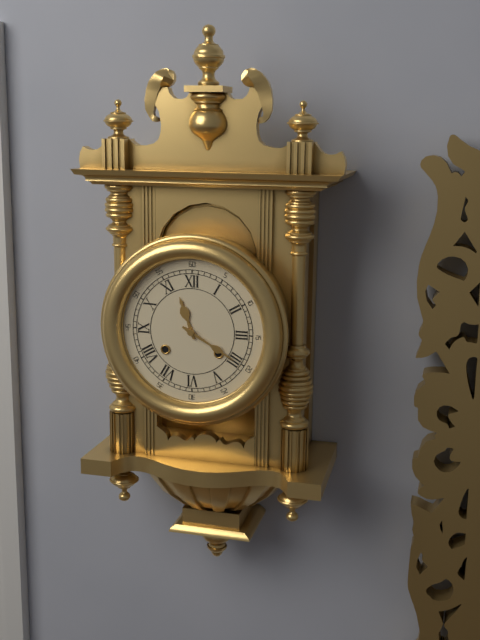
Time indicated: 11h20
